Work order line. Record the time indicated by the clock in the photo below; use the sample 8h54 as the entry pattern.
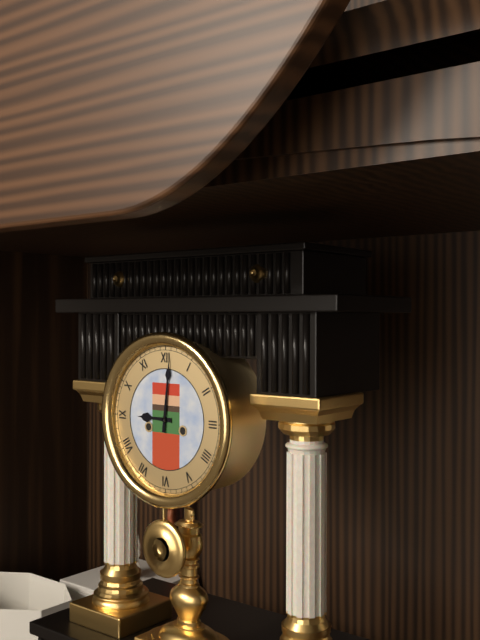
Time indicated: 9h01
